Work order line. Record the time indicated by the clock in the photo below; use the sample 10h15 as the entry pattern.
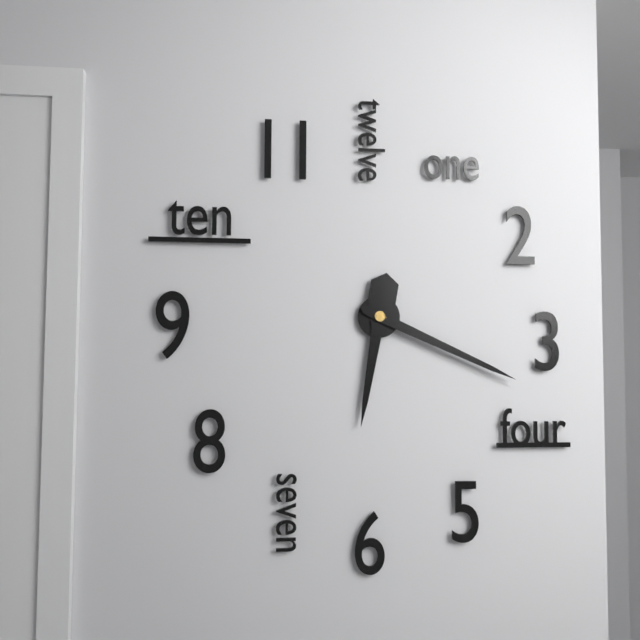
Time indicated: 6h19
